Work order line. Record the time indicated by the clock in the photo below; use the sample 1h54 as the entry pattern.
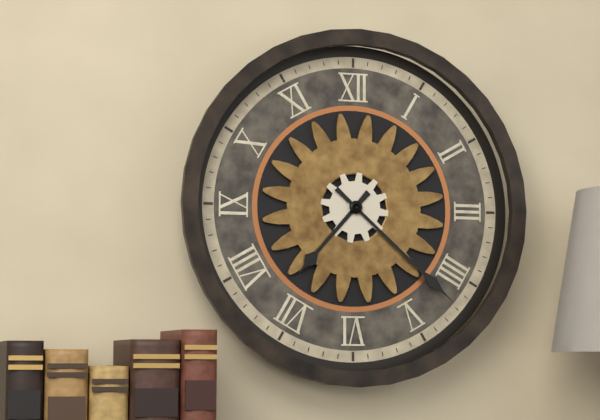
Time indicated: 7h22
